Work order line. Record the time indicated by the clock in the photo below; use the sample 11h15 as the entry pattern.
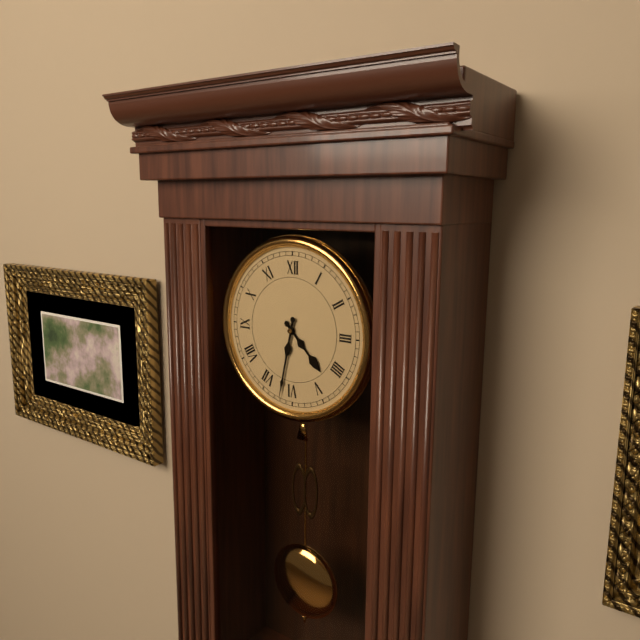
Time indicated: 4h32
